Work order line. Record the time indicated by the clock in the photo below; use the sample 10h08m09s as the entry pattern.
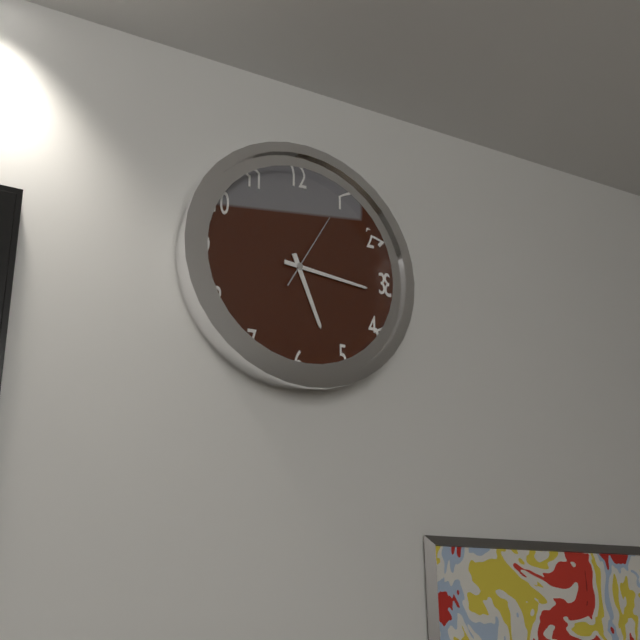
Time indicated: 5h16m05s
